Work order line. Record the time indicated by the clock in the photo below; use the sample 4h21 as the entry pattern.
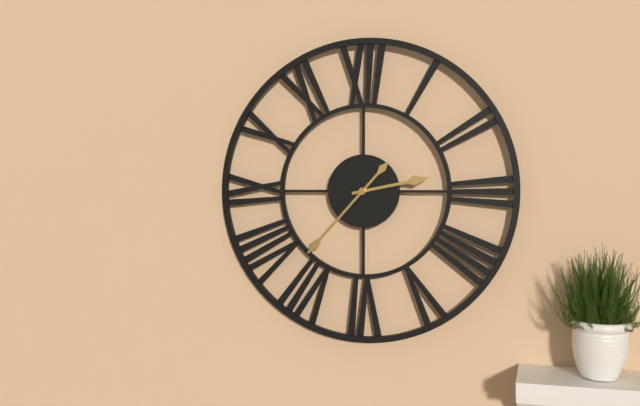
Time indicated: 2h37
